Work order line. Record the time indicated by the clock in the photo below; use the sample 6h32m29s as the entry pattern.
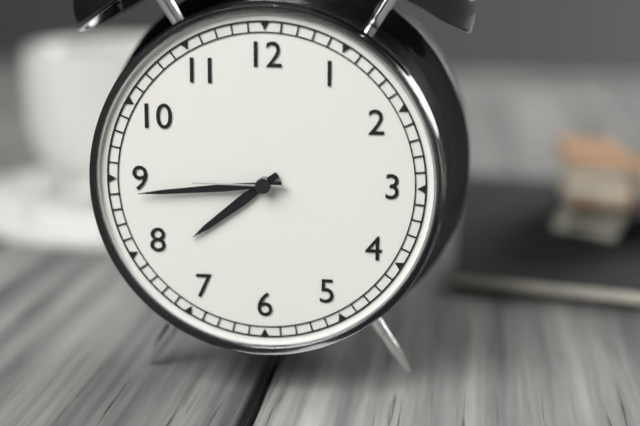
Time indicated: 7h44m45s
